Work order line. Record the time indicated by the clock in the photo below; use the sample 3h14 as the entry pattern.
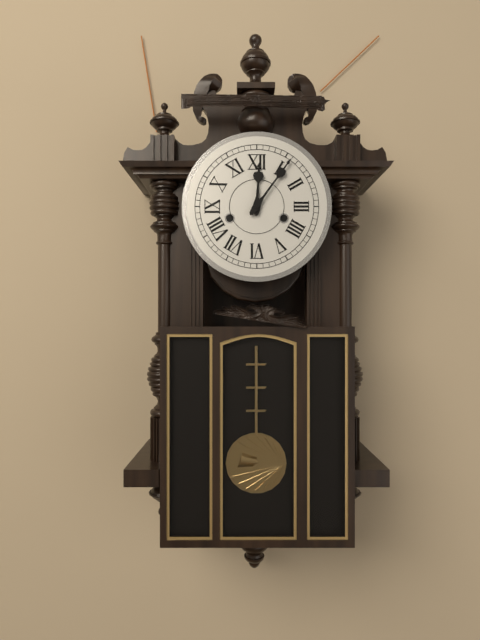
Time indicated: 12h06
